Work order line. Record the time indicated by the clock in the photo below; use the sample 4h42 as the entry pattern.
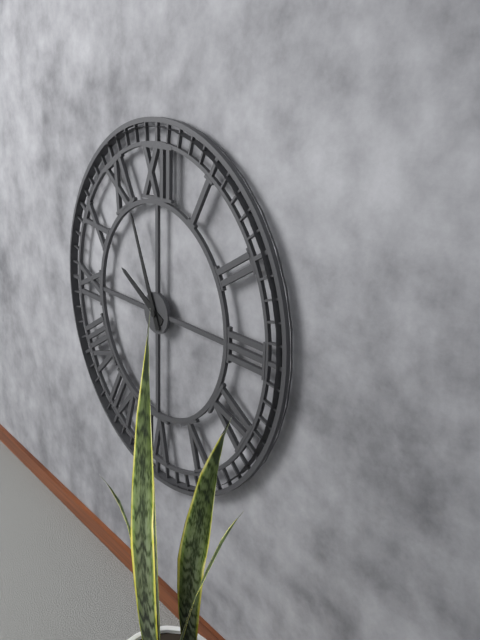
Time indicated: 9h56
